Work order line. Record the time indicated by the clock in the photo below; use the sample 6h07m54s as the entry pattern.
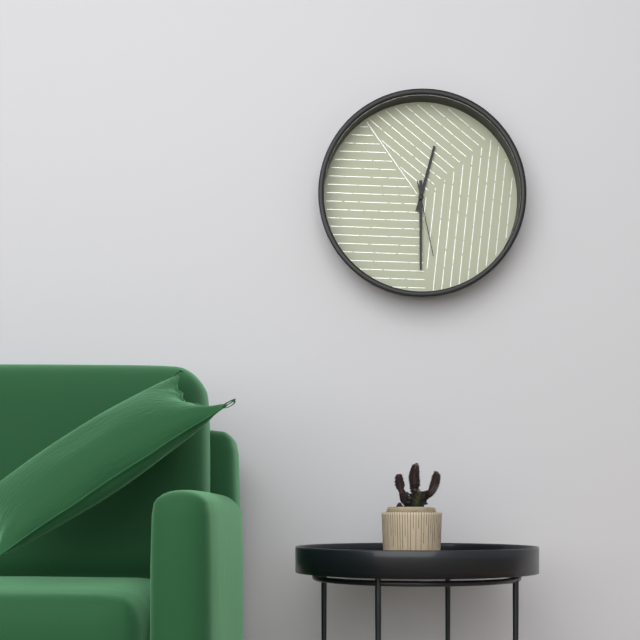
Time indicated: 12h30m28s
